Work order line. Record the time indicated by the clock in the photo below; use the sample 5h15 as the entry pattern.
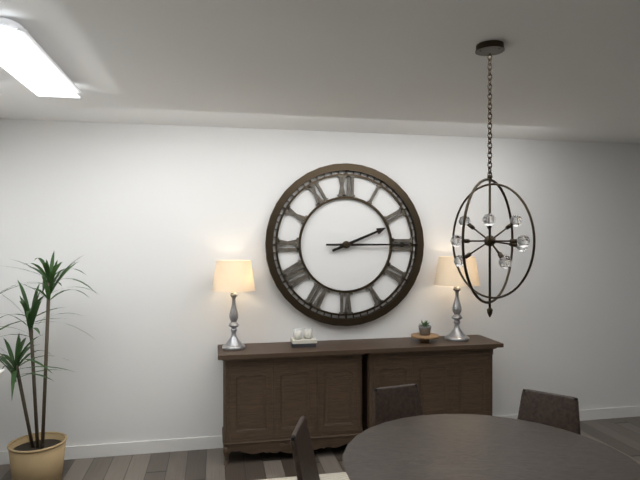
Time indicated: 2h15
